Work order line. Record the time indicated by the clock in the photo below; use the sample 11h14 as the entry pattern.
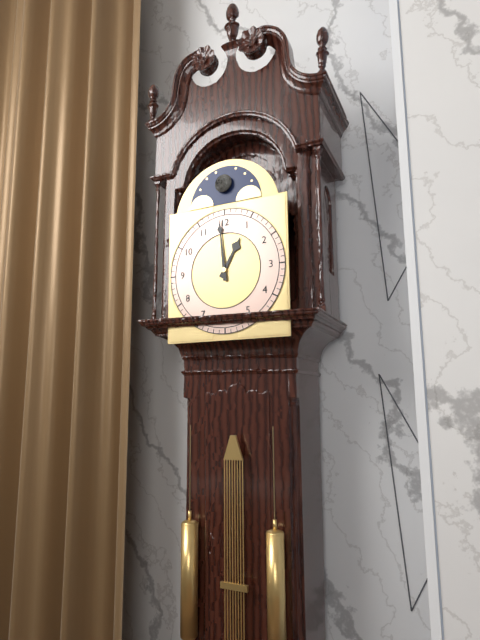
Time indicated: 12h59
